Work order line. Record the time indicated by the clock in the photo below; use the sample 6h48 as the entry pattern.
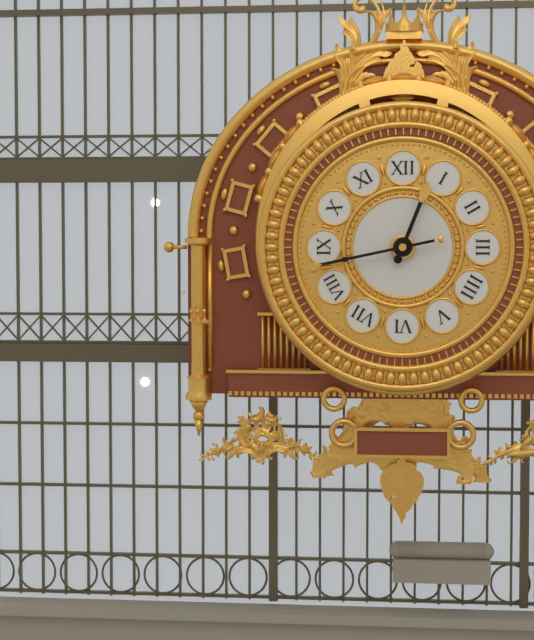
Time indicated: 12h43
